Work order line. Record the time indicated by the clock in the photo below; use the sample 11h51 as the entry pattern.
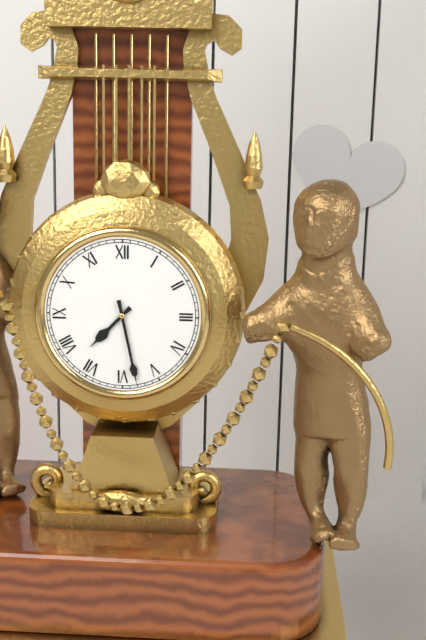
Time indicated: 7h28
